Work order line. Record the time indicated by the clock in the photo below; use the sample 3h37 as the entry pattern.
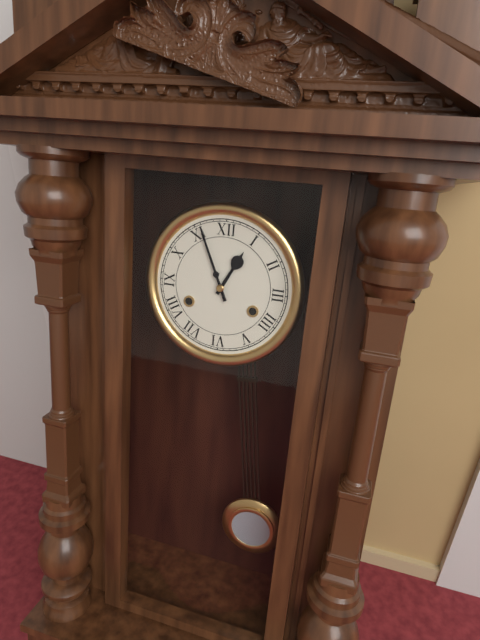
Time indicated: 12h56
